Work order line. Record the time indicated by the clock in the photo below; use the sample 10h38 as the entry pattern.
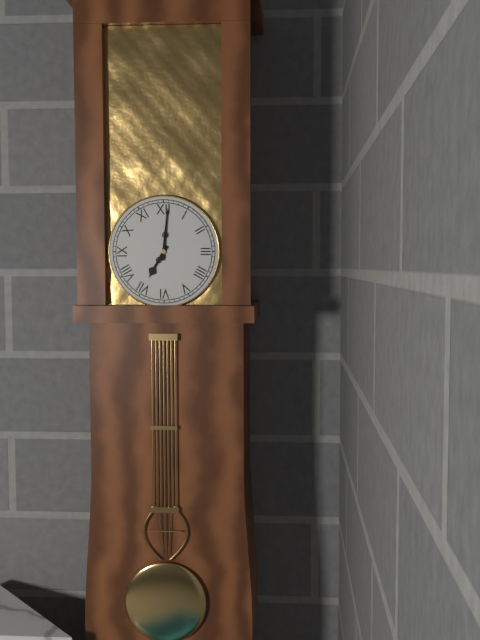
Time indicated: 7h01
